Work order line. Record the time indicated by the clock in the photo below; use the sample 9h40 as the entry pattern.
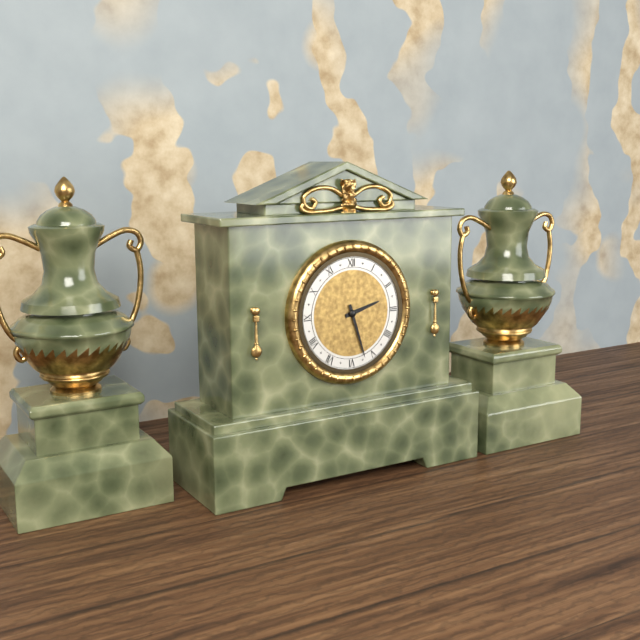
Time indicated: 2h27
